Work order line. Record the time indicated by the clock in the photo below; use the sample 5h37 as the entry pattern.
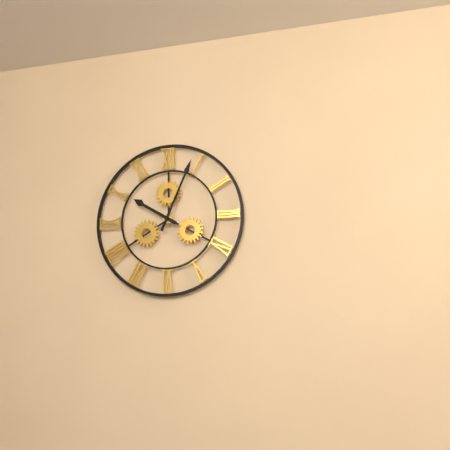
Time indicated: 10h04
